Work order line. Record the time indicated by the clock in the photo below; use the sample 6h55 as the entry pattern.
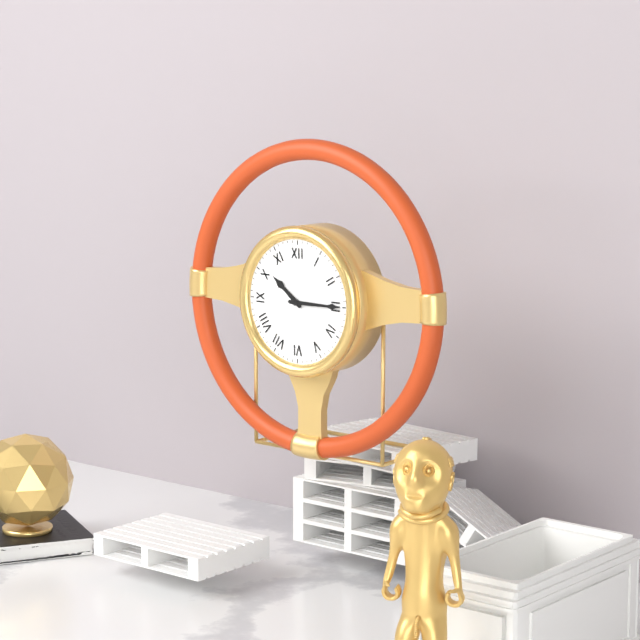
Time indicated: 10h15
